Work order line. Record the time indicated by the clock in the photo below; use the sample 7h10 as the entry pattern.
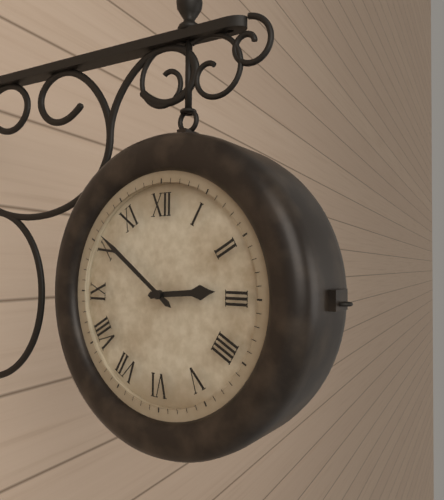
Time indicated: 2h51
